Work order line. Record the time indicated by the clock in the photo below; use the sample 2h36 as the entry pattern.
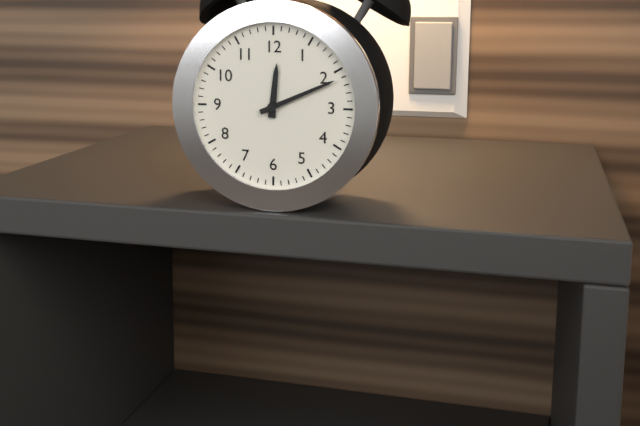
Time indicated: 12h11
